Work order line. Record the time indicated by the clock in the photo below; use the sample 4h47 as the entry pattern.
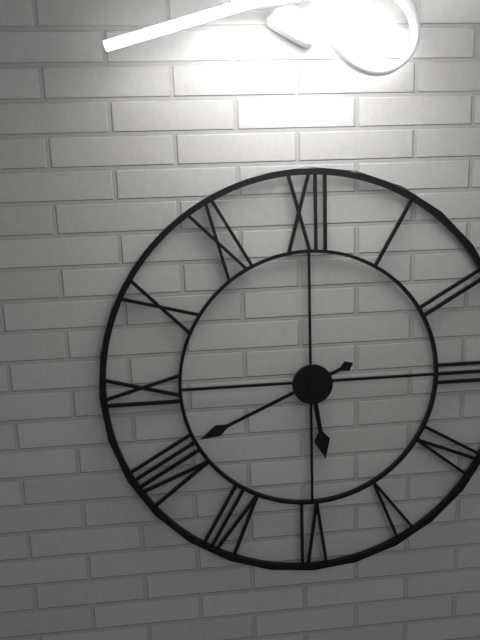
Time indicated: 5h41
